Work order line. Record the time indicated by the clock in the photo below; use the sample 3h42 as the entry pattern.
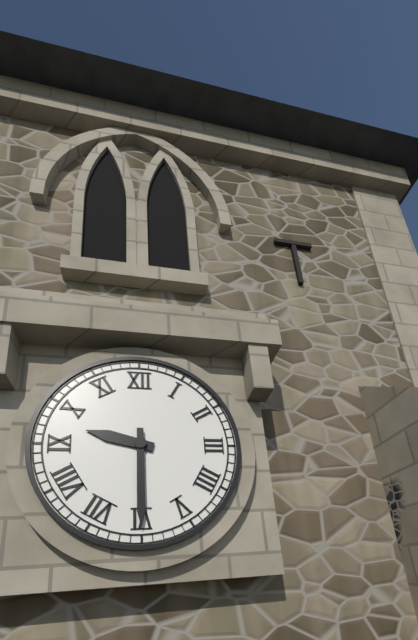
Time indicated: 9h30
